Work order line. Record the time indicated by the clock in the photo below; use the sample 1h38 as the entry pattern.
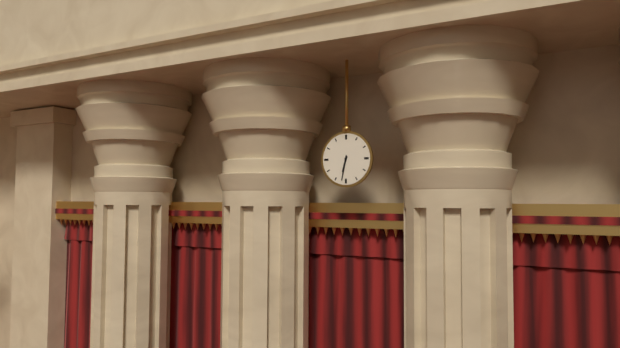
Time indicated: 6h32
